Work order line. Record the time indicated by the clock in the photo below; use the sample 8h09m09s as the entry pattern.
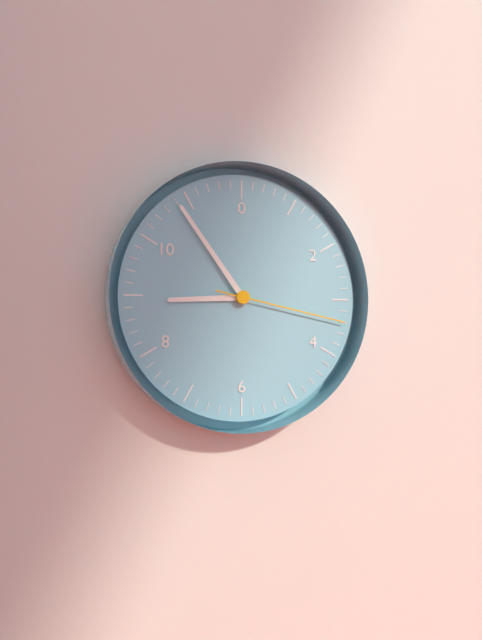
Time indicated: 8h54m17s
